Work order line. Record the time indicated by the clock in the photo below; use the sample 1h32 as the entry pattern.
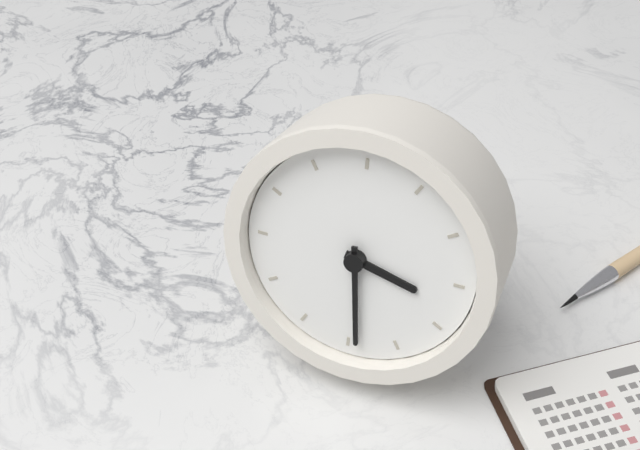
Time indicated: 3h29
